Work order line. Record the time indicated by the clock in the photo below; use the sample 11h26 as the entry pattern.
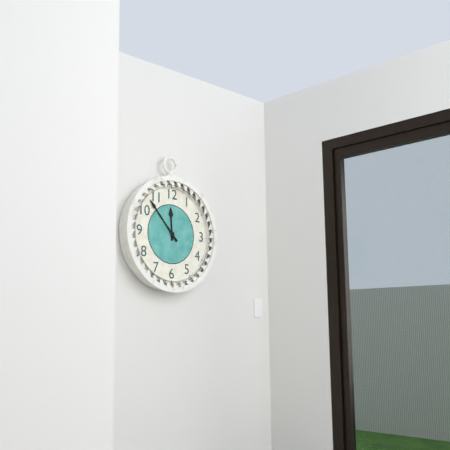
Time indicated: 11h53
